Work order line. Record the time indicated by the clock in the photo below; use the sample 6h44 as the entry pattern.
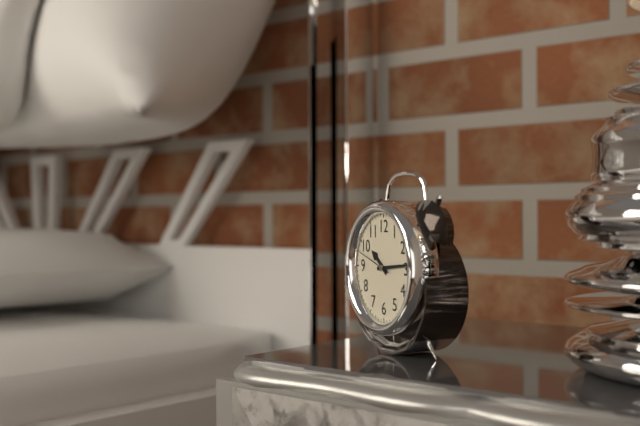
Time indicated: 10h14
